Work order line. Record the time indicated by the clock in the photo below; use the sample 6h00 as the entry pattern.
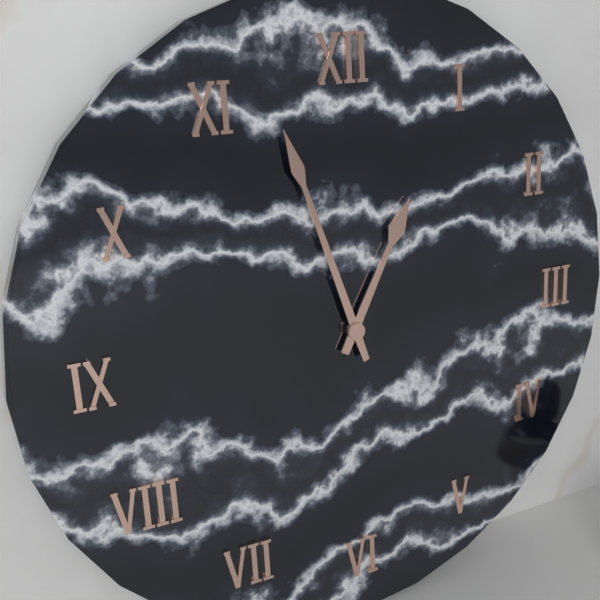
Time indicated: 12h57
